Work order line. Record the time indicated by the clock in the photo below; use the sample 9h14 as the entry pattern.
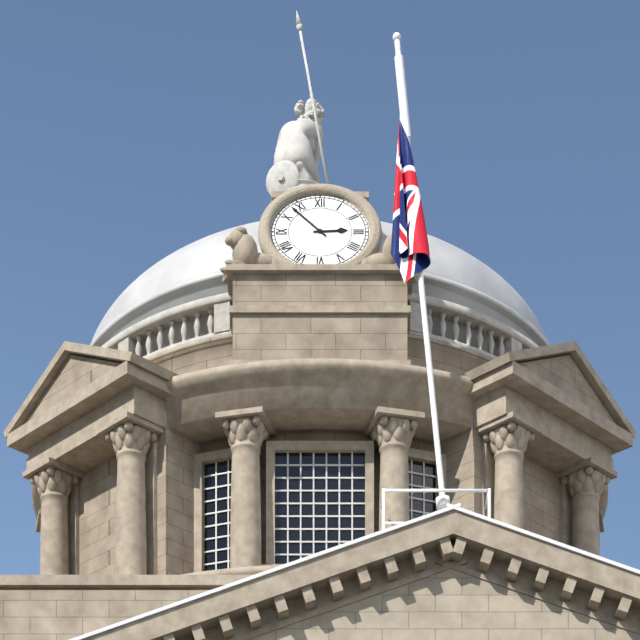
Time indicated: 2h53
